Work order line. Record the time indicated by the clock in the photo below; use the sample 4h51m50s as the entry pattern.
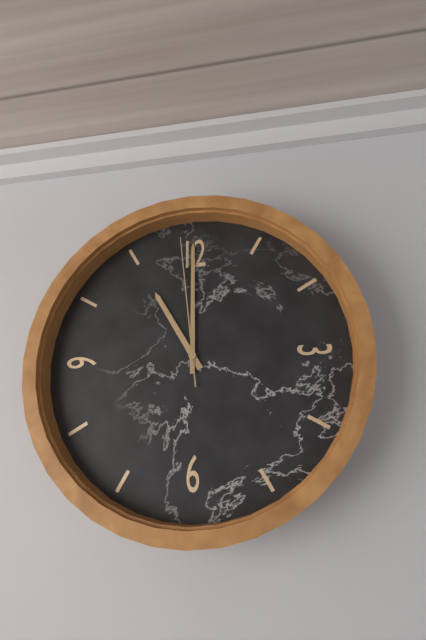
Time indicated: 11h00m59s
